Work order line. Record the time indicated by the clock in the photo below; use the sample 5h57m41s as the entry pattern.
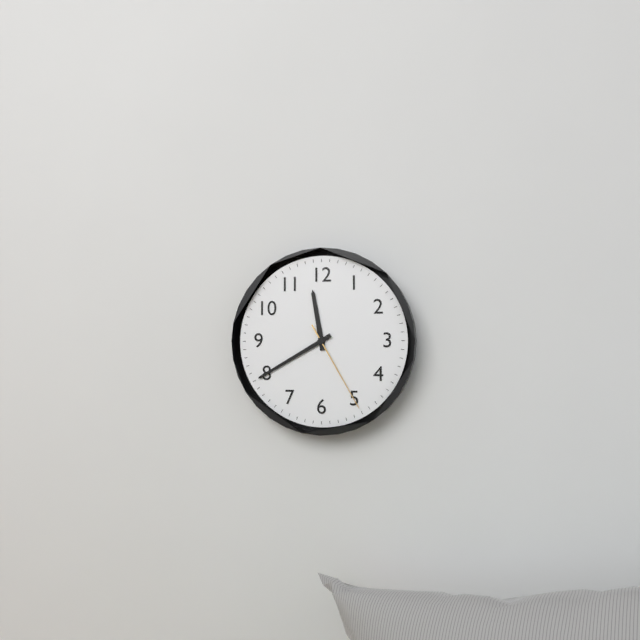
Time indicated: 11h40m25s
